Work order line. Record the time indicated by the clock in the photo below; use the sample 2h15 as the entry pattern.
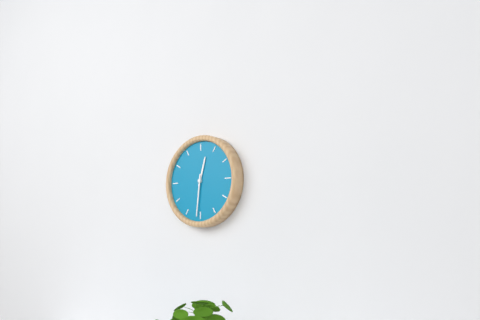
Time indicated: 12h31
